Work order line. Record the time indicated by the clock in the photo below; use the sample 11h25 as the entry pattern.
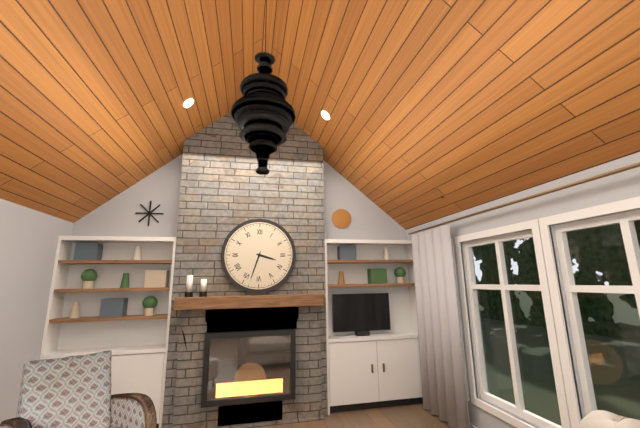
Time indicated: 3h33
